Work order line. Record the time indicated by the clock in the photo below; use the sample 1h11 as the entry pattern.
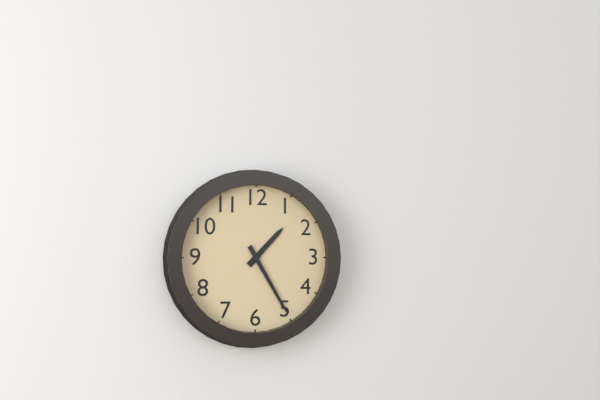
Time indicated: 1h25
